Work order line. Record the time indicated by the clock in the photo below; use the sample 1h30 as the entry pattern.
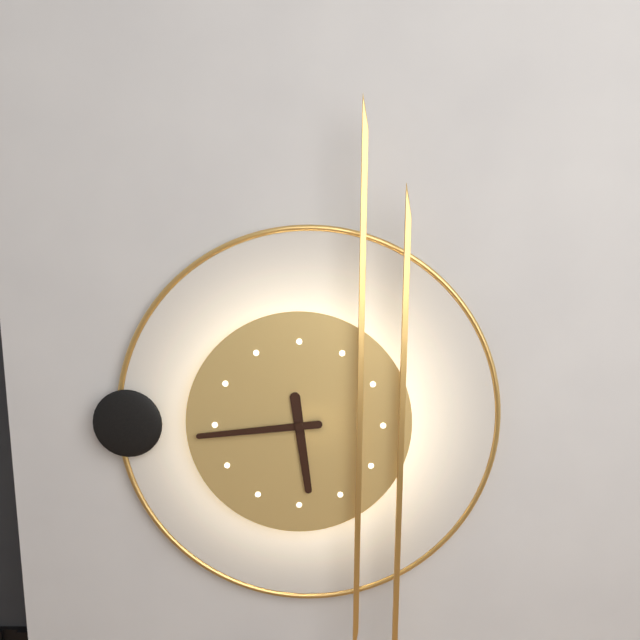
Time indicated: 5h44
